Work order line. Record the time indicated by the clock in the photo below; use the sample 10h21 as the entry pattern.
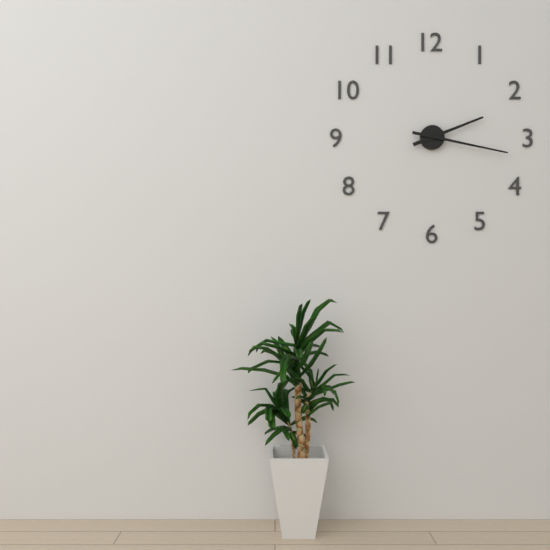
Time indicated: 2h17
